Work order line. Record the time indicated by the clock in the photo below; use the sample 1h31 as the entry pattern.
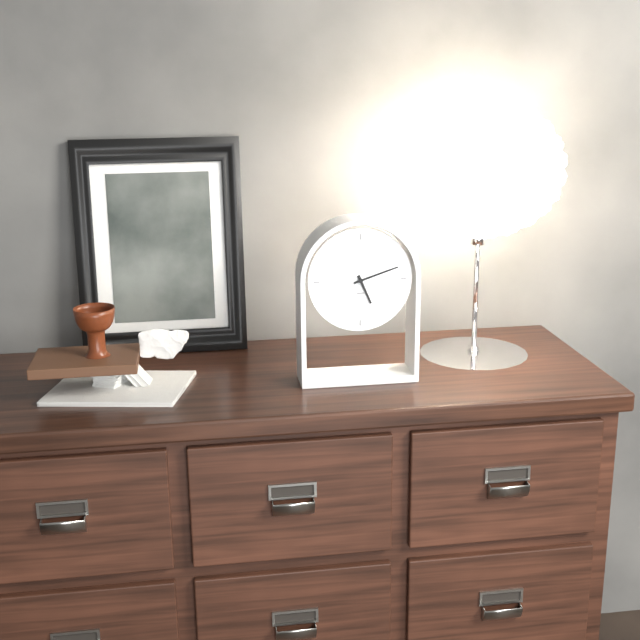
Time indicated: 5h12
